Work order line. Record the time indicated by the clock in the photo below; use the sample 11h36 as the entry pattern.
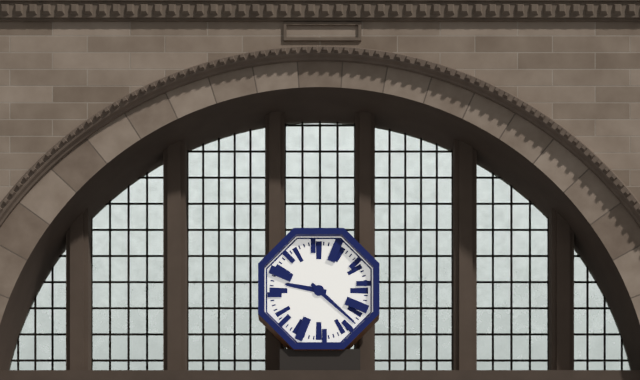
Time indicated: 9h22
